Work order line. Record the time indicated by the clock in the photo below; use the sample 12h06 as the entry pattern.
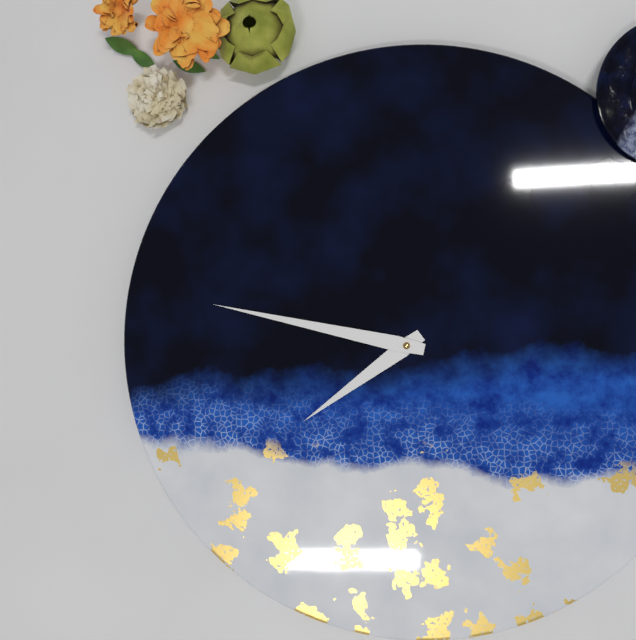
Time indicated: 7h47
